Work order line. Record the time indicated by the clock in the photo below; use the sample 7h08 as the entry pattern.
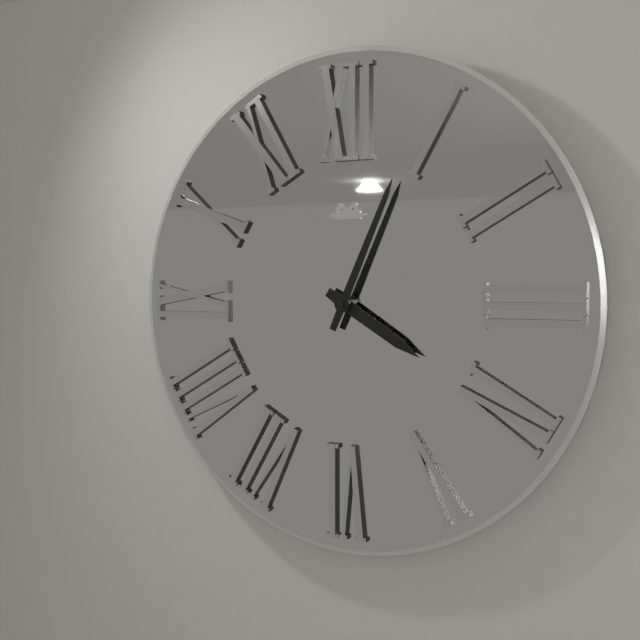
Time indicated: 4h04
